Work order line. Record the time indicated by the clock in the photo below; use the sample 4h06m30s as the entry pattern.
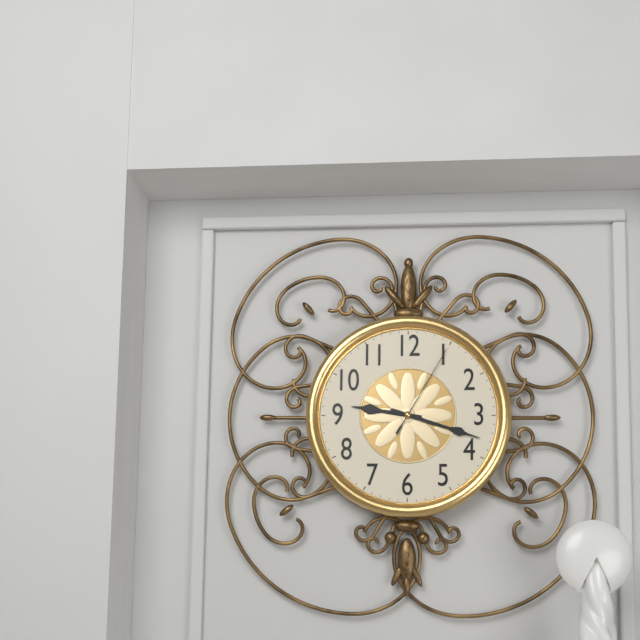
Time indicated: 9h18m05s
